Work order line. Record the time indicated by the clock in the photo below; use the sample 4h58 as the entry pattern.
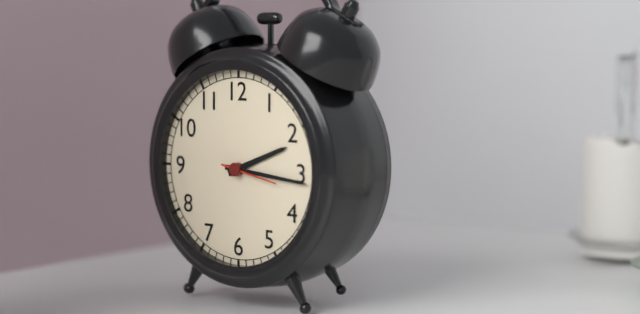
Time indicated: 2h16
